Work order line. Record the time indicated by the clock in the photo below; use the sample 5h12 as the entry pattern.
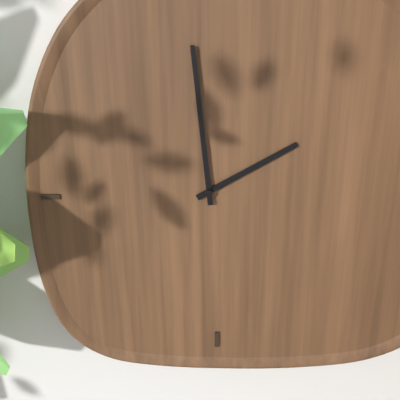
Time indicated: 1h59
